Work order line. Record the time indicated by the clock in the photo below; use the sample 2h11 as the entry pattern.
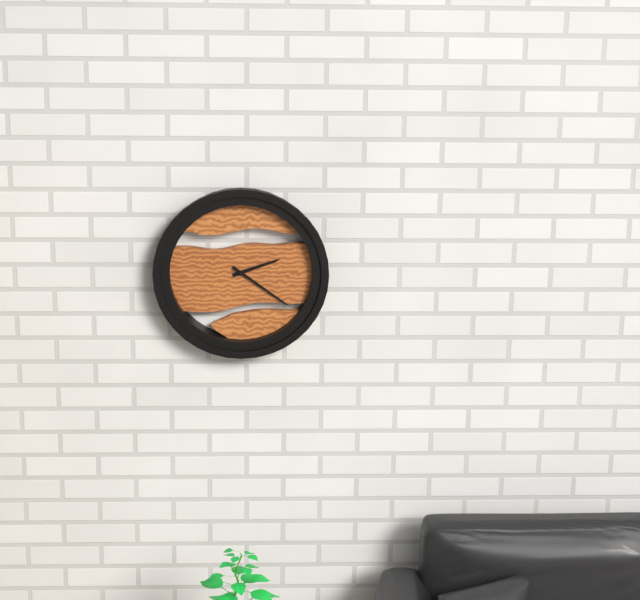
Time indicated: 2h21
